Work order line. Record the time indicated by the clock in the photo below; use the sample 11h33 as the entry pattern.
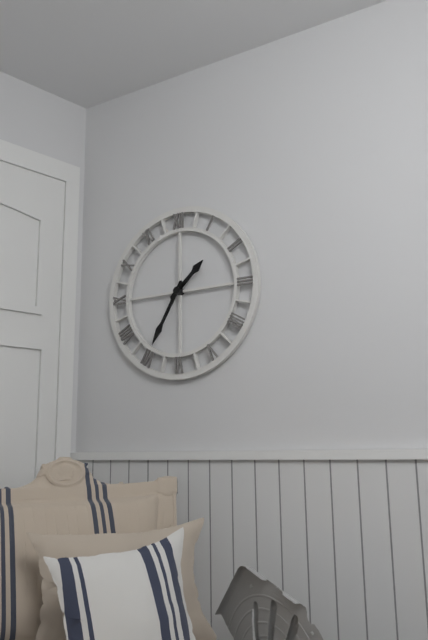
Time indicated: 1h35
